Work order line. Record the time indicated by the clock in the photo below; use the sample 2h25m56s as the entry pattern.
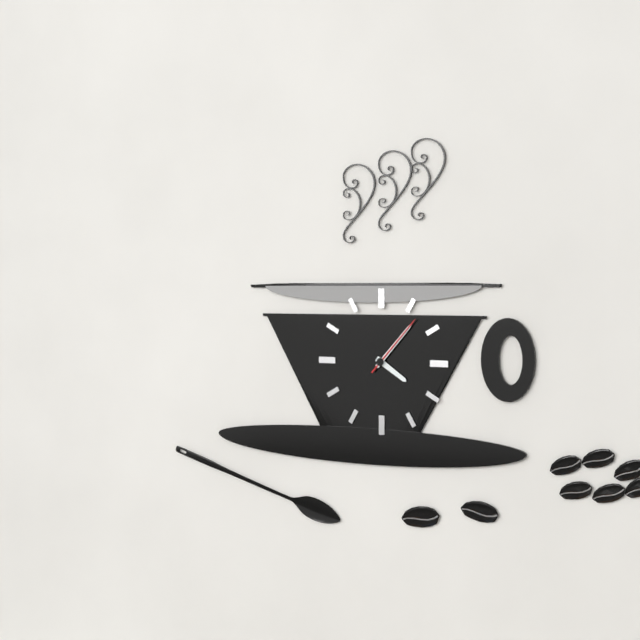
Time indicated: 4h07m07s
